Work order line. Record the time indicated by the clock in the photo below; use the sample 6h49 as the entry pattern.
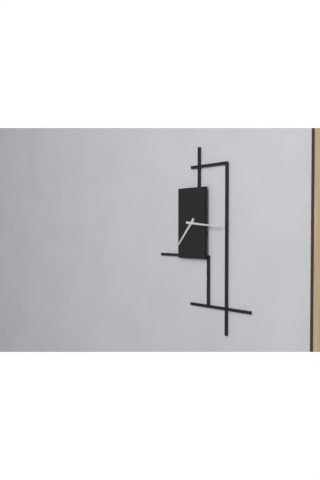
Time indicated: 7h16
